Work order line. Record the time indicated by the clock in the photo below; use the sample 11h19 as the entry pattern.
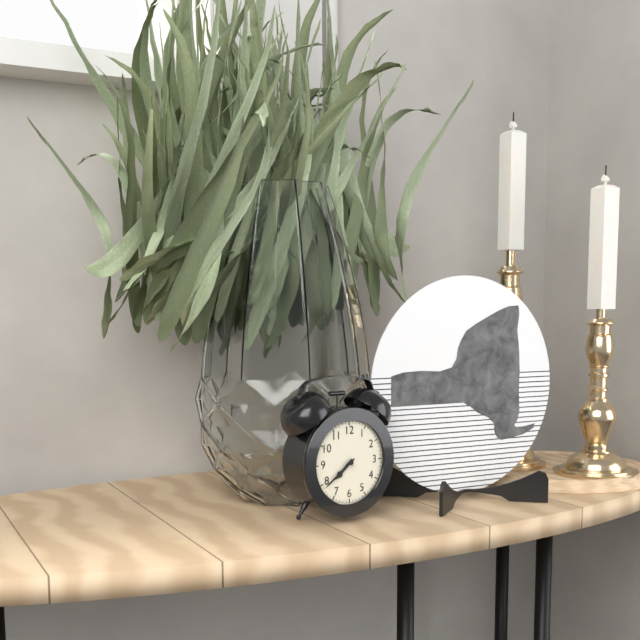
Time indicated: 7h39
